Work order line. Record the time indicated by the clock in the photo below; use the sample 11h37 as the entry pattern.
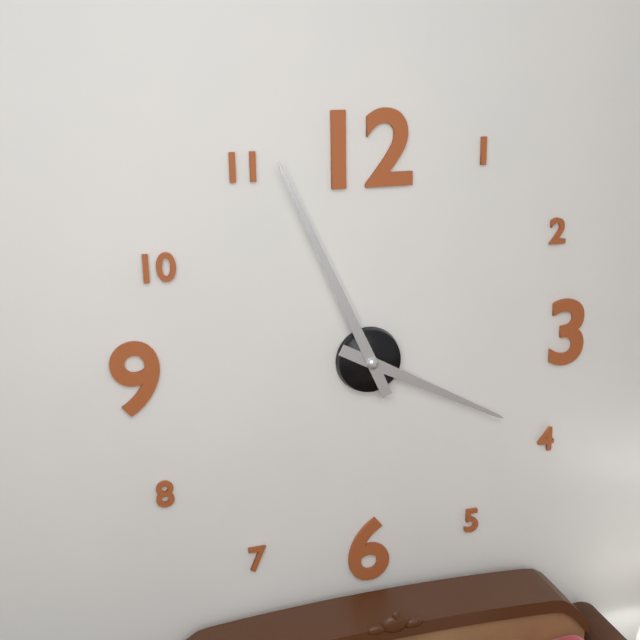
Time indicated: 3h56
